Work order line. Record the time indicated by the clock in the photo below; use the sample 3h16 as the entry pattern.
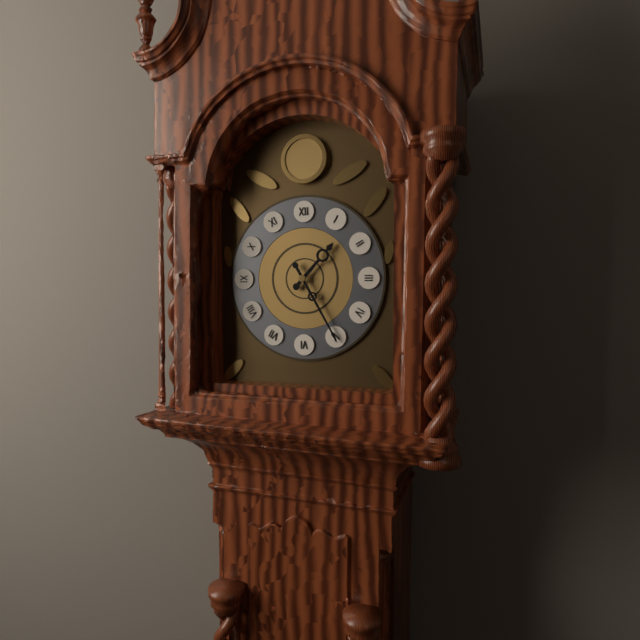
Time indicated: 1h25
